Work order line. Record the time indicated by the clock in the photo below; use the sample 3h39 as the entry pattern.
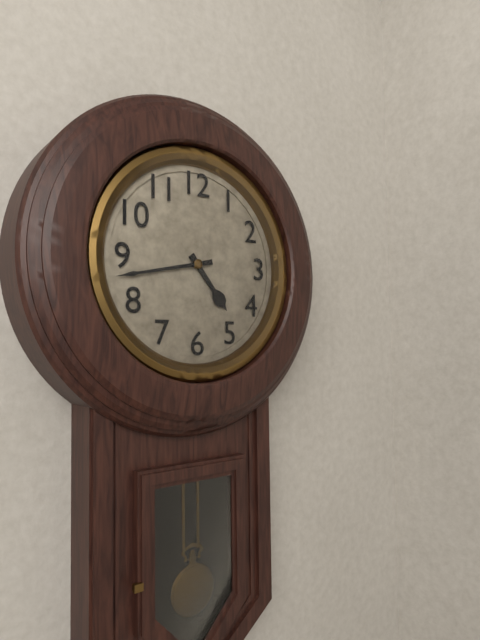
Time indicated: 4h43
